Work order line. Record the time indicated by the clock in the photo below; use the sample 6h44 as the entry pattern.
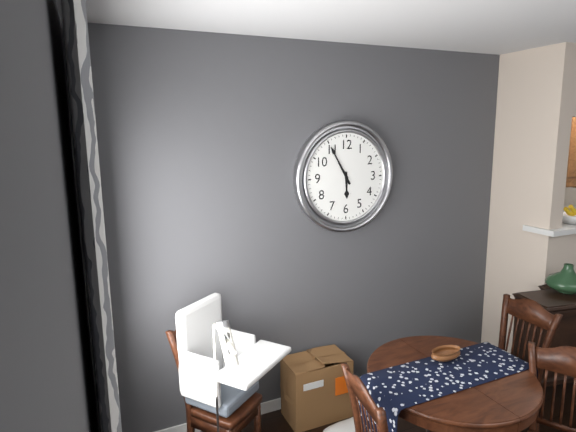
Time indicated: 5h55
